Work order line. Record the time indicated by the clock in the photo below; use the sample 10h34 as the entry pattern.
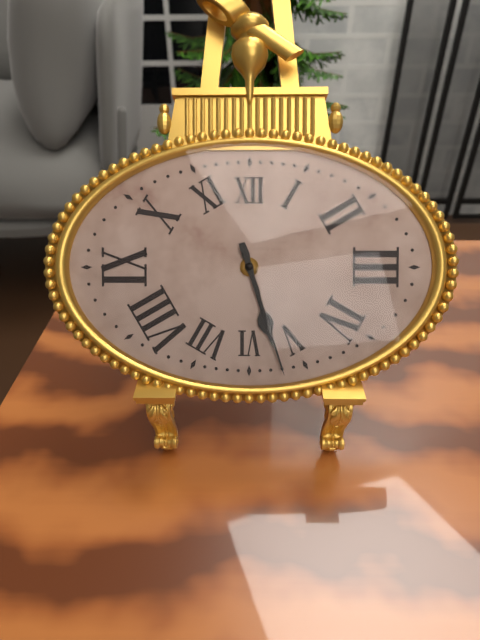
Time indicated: 5h27
